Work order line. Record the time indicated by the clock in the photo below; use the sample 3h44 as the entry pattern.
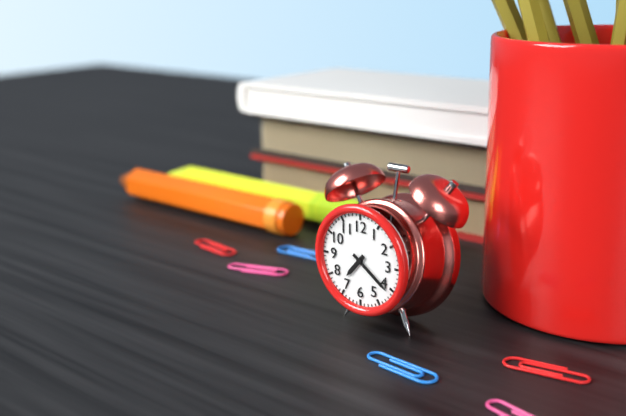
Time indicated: 7h21
